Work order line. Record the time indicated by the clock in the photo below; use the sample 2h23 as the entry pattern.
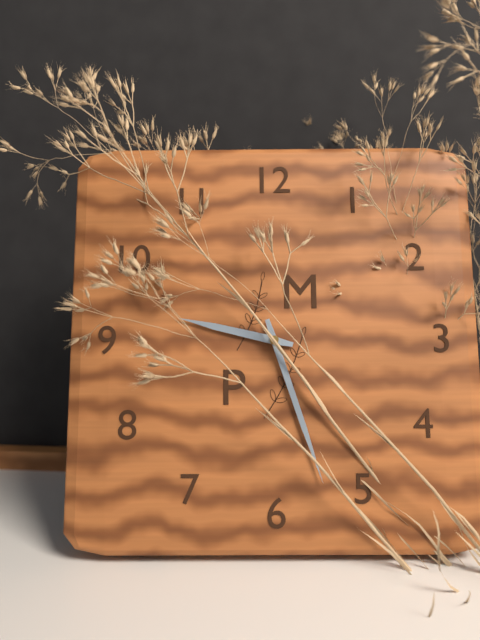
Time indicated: 9h27
